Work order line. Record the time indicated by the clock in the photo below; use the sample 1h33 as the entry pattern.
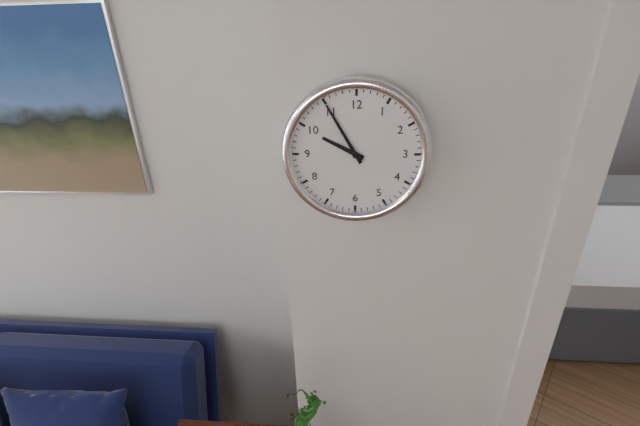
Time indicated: 9h55
